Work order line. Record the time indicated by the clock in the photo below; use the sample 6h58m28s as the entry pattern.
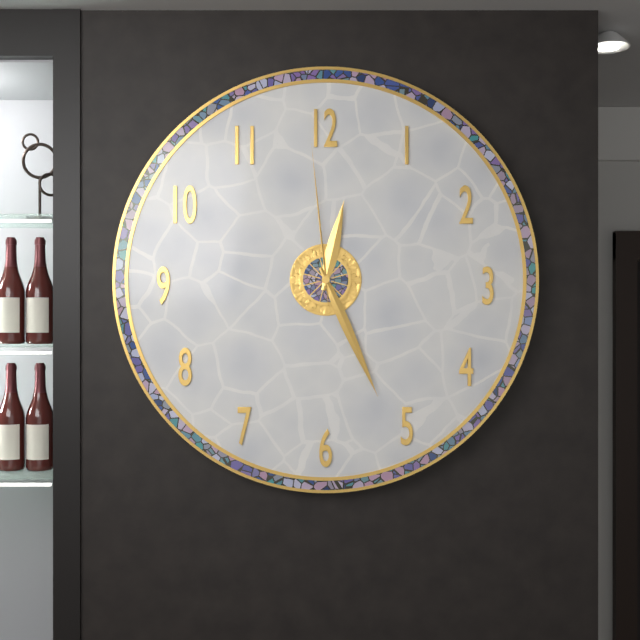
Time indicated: 12h26m59s
